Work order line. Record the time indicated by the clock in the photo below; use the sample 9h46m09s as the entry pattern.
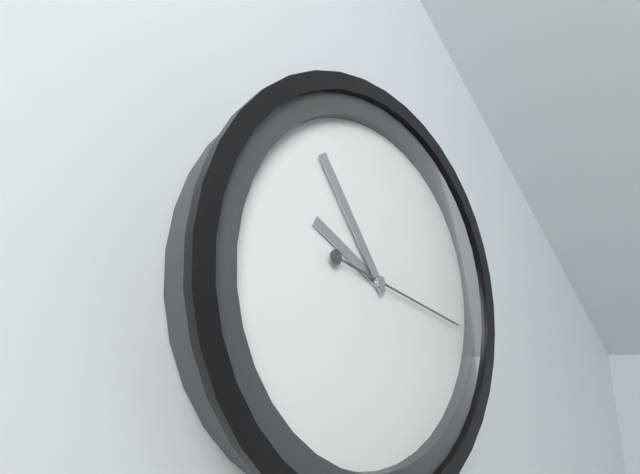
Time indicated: 9h54m17s
